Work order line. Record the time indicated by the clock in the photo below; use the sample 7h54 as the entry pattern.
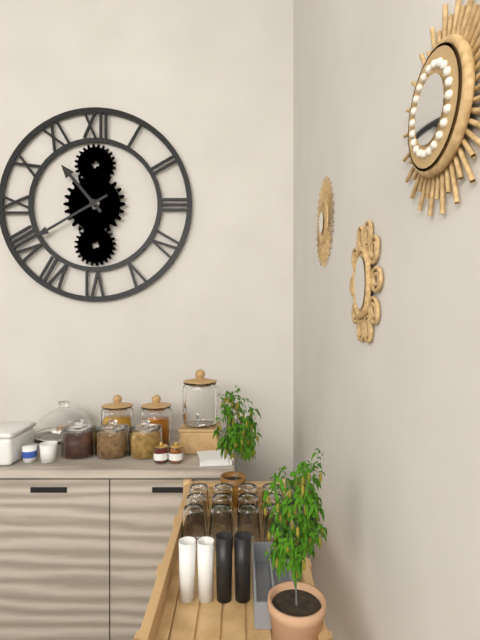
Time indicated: 10h40
